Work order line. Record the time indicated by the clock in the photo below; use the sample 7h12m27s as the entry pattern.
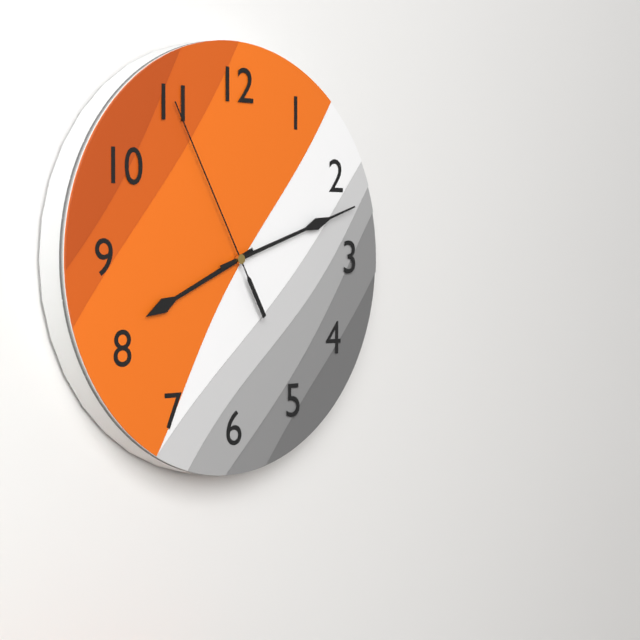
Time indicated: 8h12m55s
